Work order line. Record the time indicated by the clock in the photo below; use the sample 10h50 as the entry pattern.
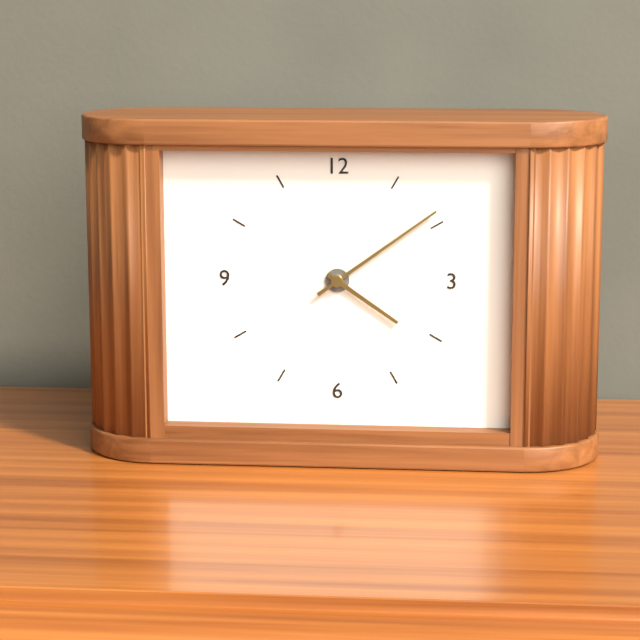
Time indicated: 4h09
